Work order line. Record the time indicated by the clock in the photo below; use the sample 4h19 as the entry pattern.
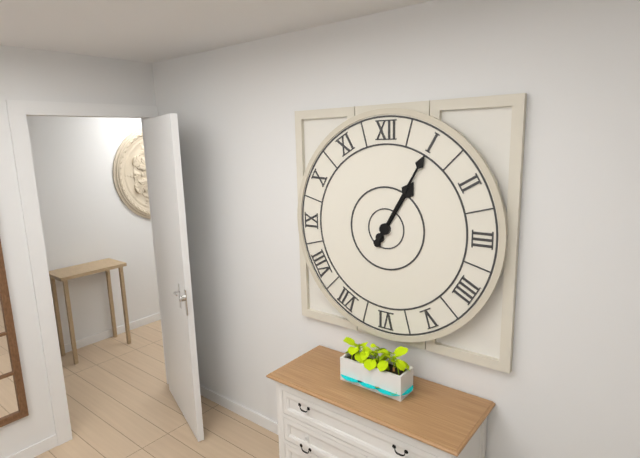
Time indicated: 1h05
